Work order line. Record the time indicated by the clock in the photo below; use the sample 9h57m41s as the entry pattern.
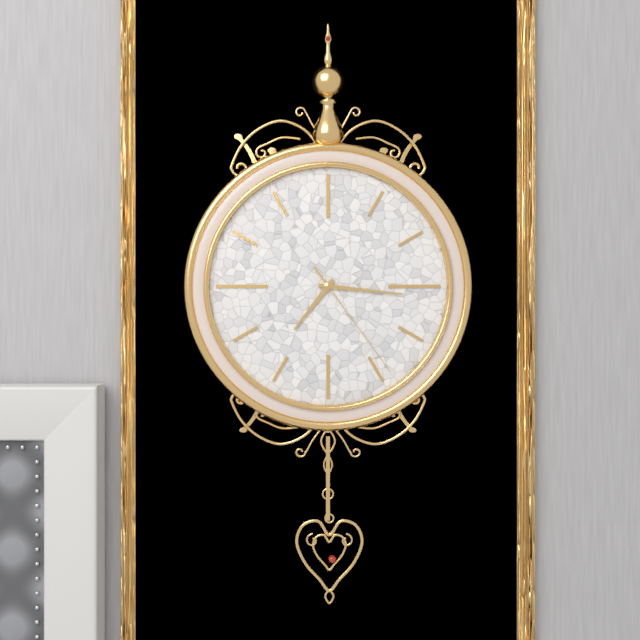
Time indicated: 7h16m24s
